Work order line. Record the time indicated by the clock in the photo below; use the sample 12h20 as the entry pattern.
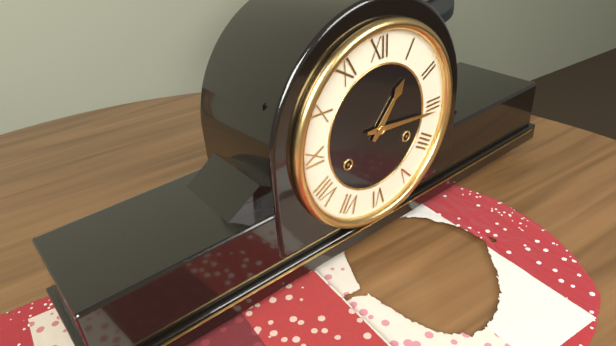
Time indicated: 1h16
